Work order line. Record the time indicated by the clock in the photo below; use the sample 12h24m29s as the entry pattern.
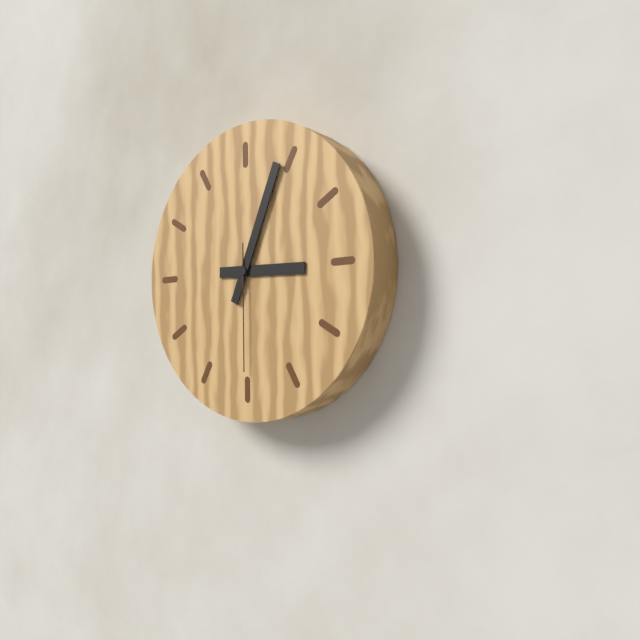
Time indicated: 3h04m30s
